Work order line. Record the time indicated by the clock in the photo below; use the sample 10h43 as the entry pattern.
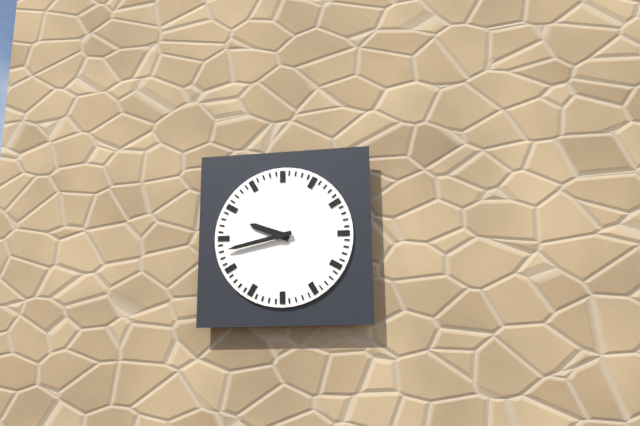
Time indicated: 9h43
